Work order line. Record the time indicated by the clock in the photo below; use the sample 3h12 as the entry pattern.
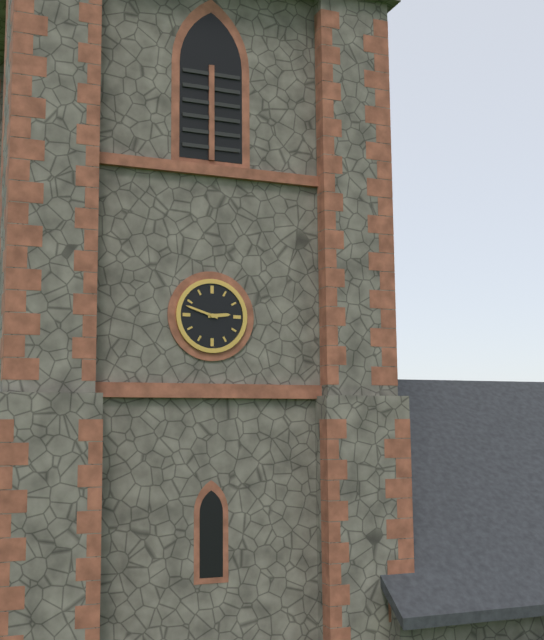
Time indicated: 2h48
